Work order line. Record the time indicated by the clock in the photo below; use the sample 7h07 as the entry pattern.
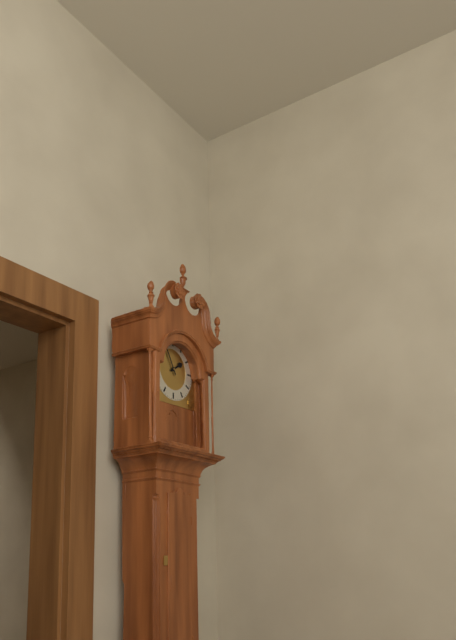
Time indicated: 1h55
